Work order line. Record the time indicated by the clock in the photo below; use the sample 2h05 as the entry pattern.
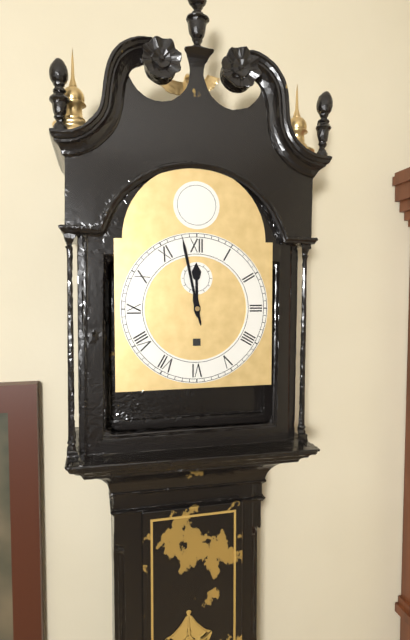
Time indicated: 11h58
